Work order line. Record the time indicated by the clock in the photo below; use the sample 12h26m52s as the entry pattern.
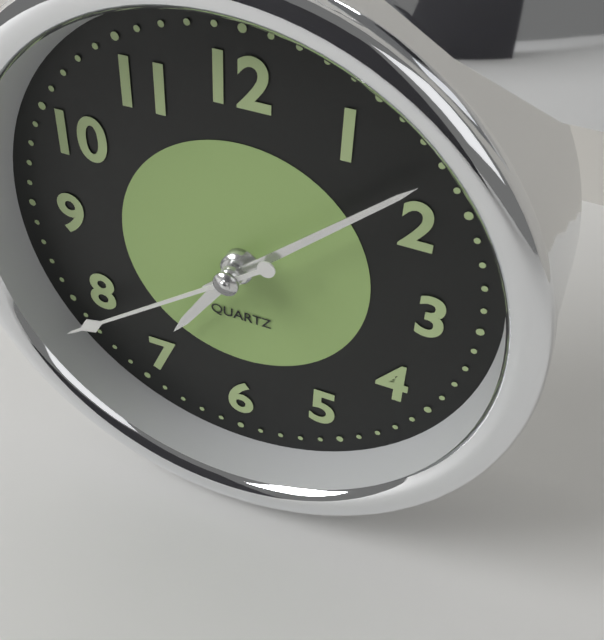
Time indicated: 7h08m39s
